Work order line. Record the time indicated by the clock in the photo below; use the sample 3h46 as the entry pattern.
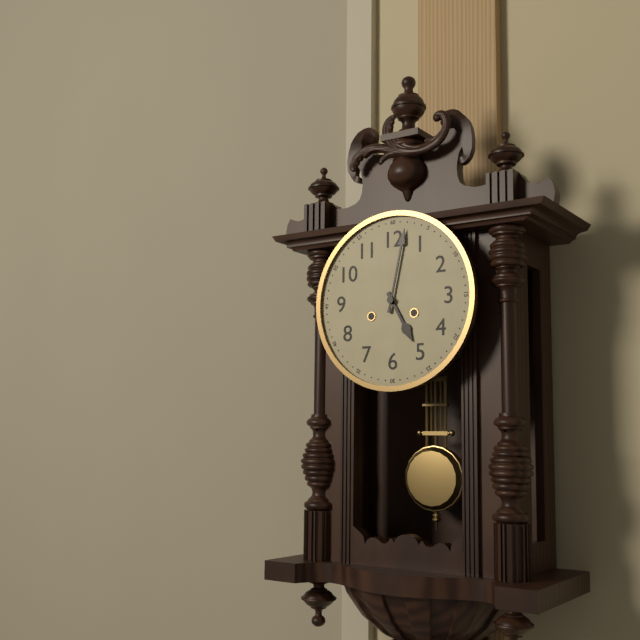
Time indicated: 5h02
